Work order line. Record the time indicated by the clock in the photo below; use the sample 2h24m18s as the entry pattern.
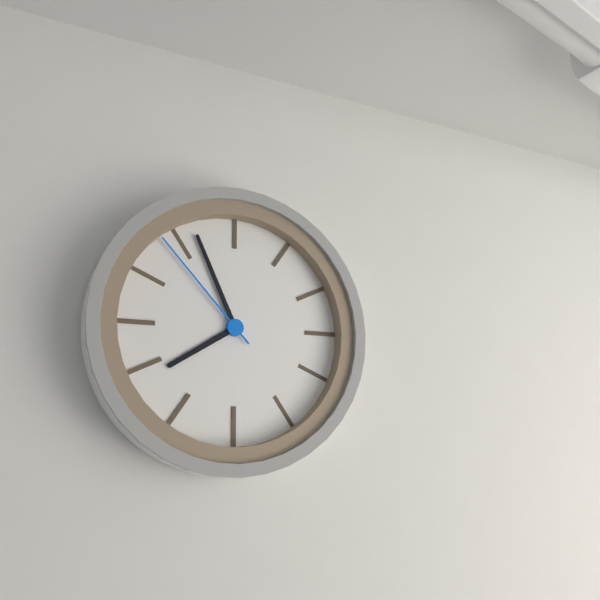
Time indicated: 7h56m53s
